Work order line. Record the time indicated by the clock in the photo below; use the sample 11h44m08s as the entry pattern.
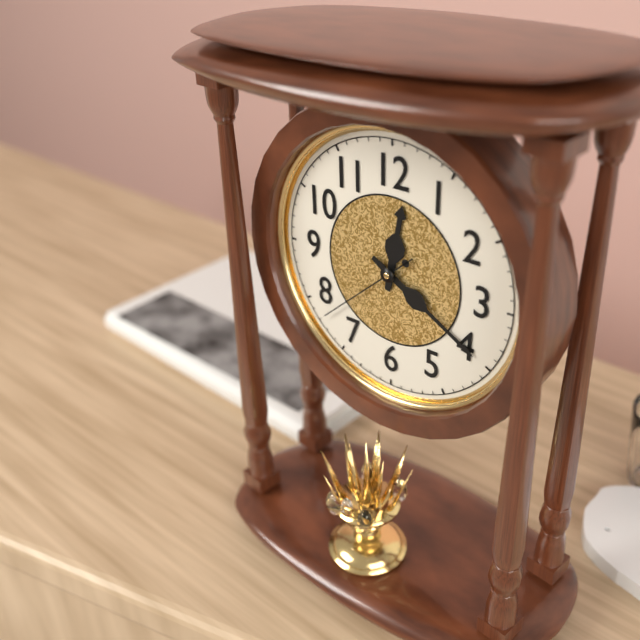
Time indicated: 12h20m38s
